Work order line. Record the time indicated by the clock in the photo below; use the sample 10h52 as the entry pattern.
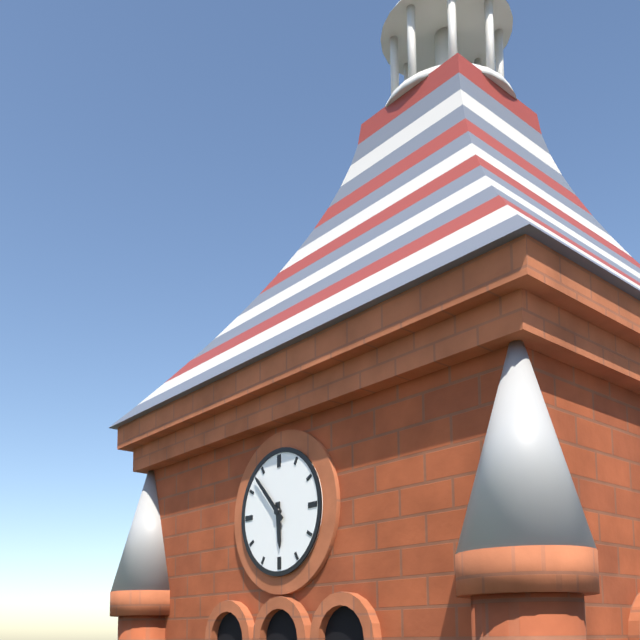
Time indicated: 5h53
